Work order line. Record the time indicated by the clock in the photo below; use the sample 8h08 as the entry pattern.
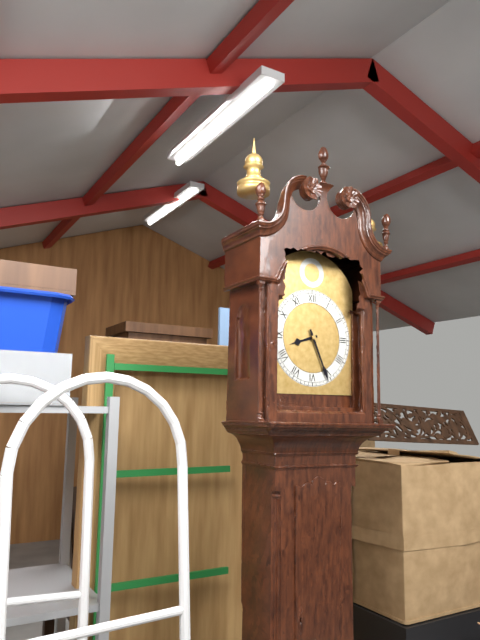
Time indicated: 8h26
